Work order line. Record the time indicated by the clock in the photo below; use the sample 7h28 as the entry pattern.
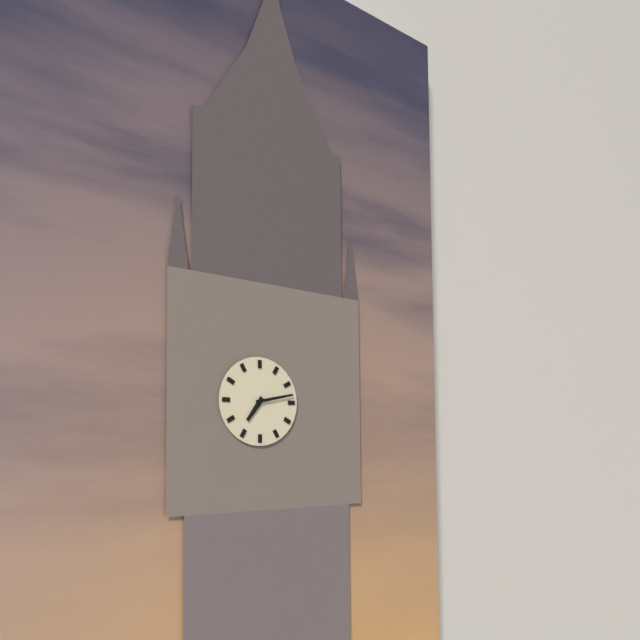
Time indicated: 7h13
